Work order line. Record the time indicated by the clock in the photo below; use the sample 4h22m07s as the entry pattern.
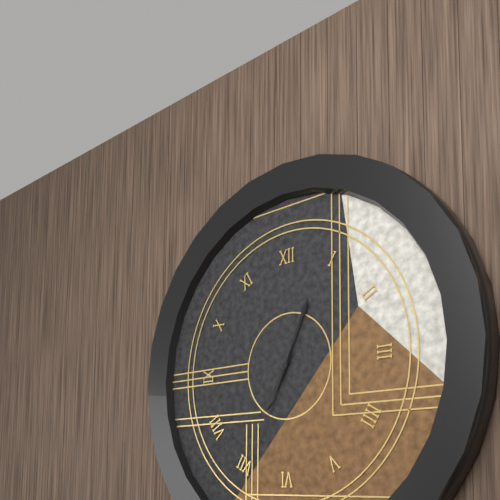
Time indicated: 7h04m34s
